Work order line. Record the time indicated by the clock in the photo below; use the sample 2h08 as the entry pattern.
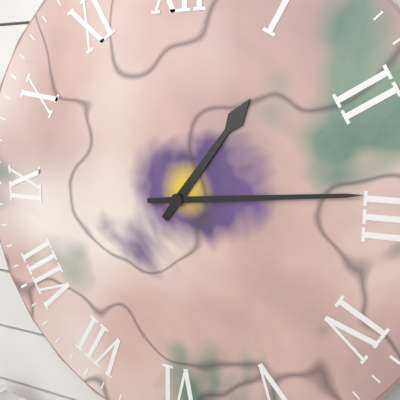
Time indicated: 1h14
